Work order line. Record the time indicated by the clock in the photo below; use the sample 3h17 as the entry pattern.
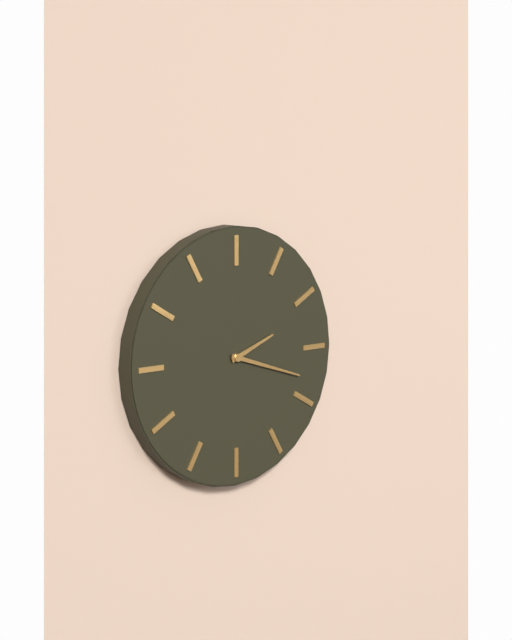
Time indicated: 2h18
